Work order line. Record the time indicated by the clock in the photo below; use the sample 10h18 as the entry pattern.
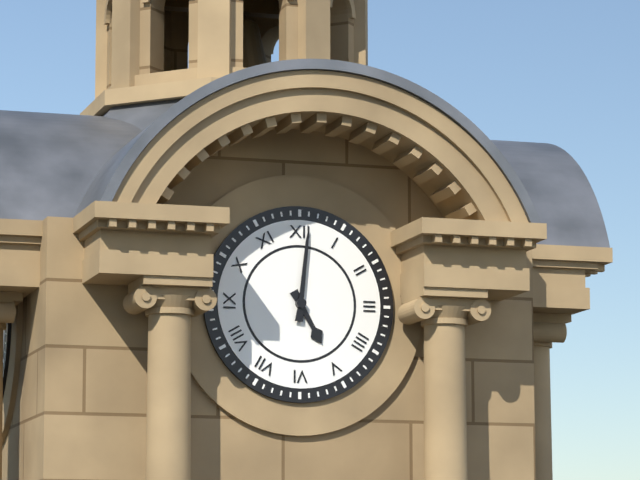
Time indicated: 5h01
